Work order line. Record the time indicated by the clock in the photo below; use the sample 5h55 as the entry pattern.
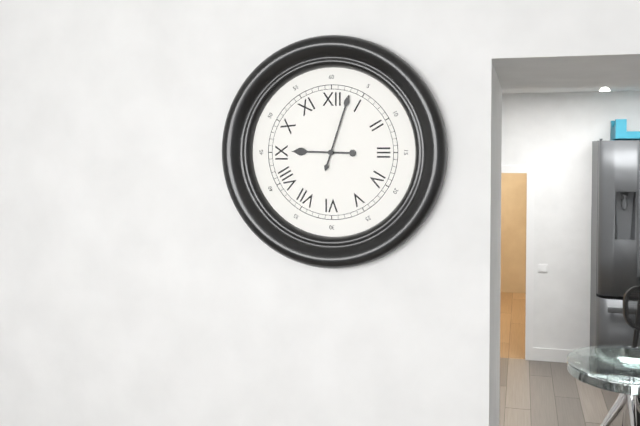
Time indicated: 9h03
